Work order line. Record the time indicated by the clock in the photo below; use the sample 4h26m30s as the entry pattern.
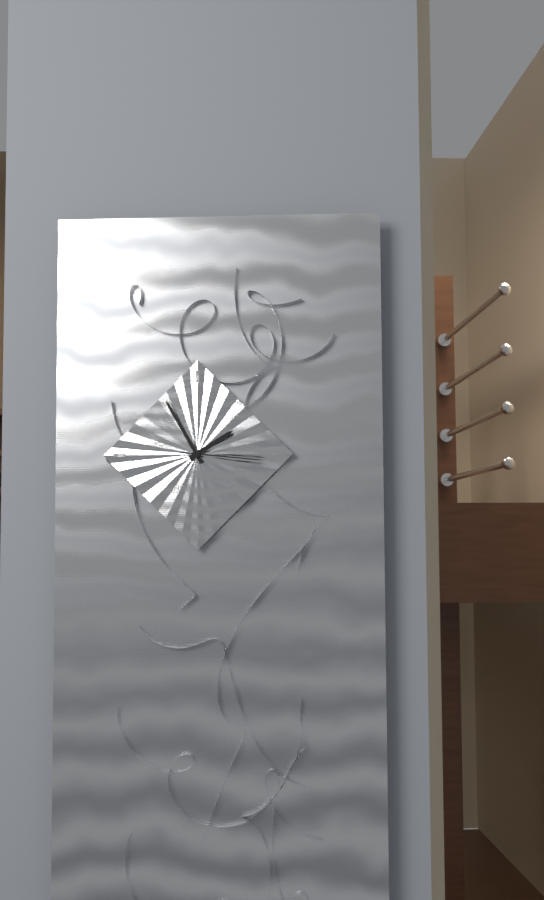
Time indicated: 1h55m16s
